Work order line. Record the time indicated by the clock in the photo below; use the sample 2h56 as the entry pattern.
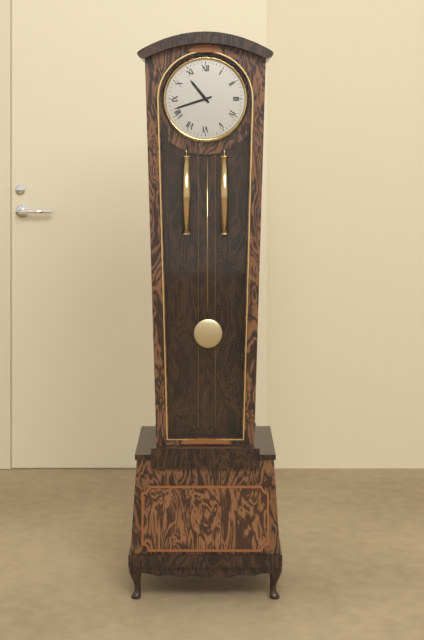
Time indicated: 10h42
